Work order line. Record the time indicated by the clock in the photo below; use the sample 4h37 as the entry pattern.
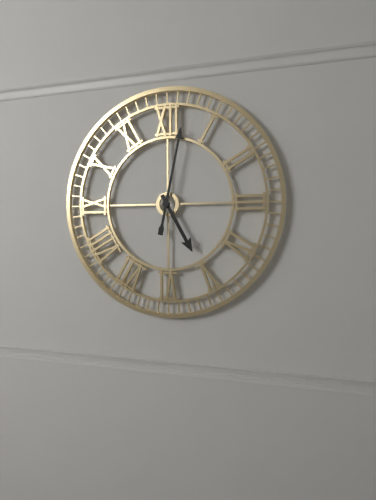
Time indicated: 5h02
